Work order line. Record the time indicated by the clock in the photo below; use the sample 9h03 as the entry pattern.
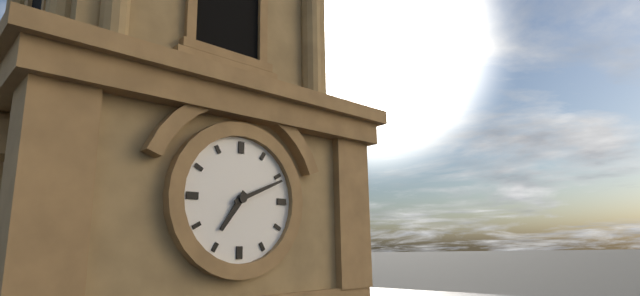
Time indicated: 7h11
